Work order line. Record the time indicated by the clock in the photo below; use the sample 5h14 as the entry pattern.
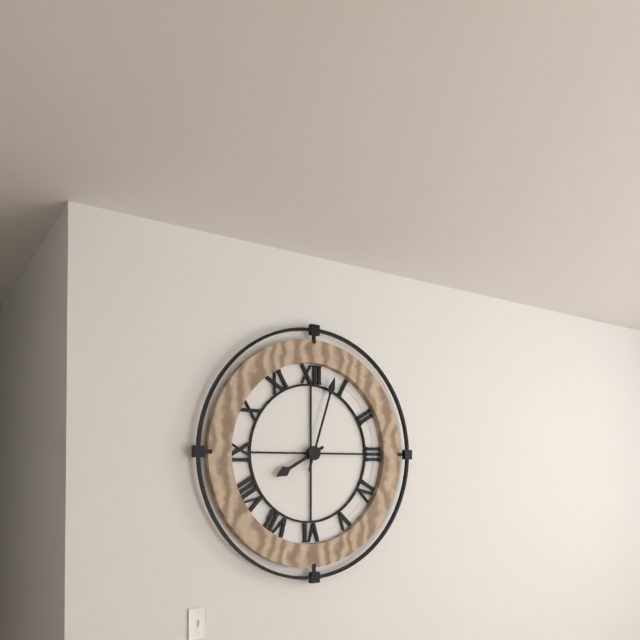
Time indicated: 8h03
